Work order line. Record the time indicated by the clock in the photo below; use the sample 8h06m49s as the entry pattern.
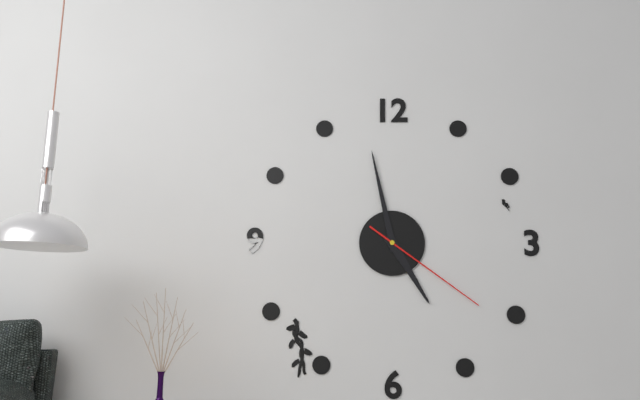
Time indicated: 4h58m21s
